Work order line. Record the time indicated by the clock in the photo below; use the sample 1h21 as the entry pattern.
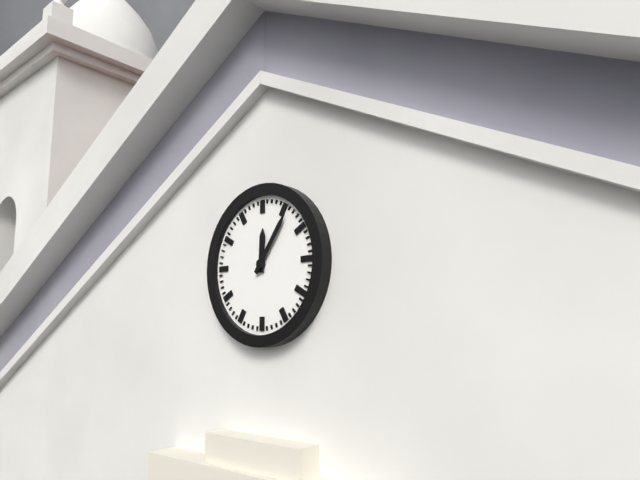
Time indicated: 12h06
